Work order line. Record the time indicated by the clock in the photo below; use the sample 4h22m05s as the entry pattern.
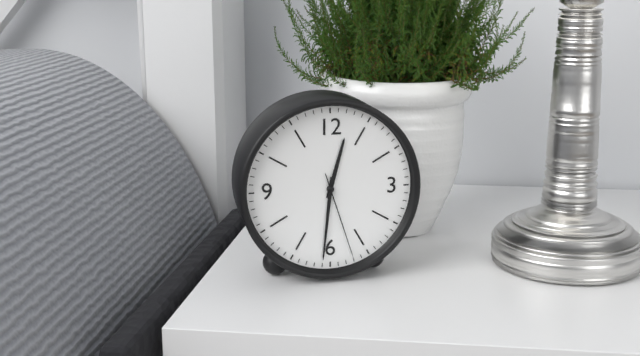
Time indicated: 12h31m27s
